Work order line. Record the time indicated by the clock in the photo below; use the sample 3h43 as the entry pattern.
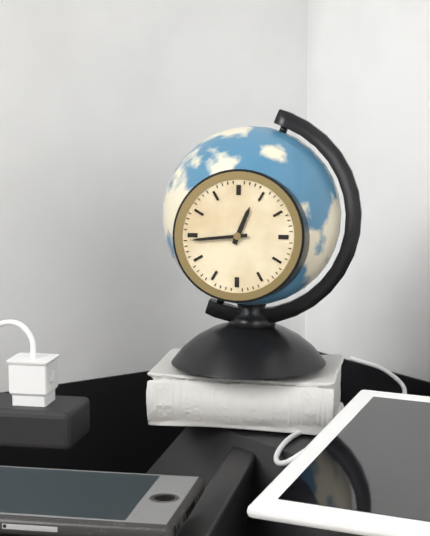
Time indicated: 12h44
